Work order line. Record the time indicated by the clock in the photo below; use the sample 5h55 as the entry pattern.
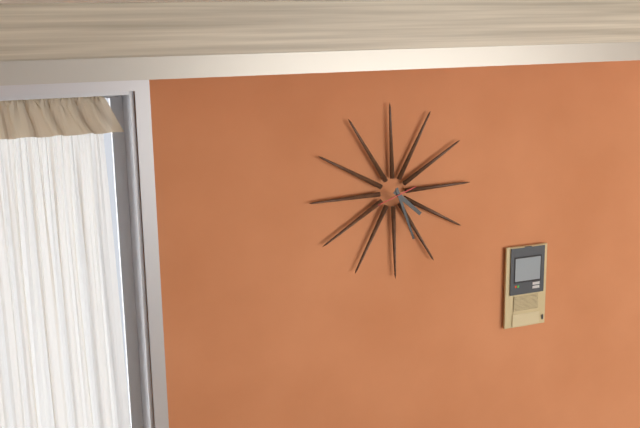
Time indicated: 4h27
